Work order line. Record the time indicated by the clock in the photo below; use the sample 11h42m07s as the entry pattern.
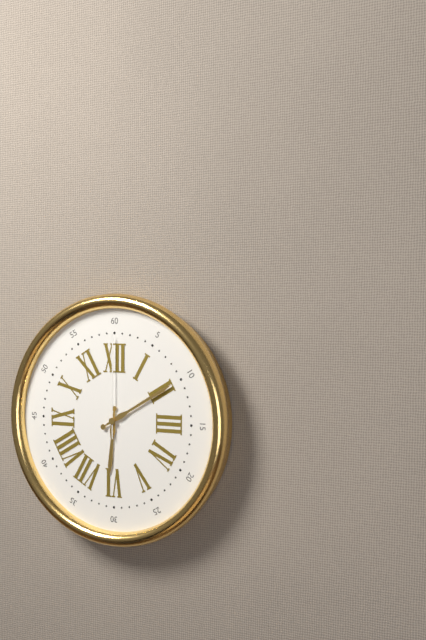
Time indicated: 6h10m00s
